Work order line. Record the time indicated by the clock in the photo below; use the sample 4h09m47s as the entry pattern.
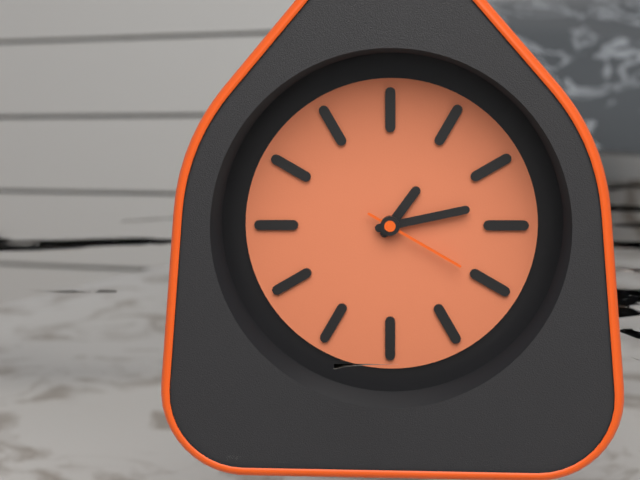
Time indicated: 1h13m20s
